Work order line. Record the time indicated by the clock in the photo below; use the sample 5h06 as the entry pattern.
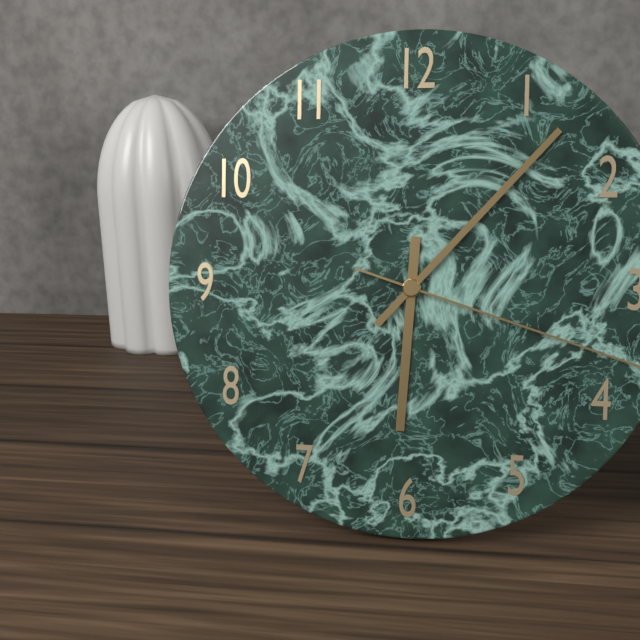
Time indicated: 6h07
